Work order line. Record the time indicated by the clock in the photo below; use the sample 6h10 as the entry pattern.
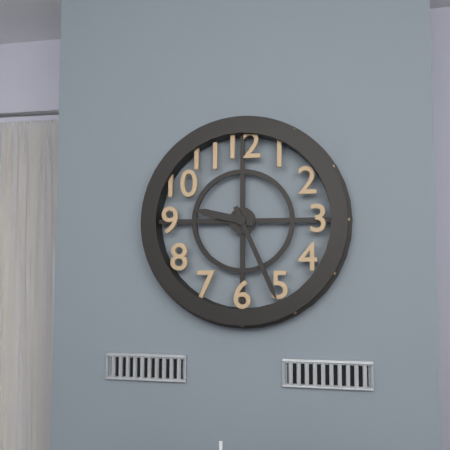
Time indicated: 9h26
